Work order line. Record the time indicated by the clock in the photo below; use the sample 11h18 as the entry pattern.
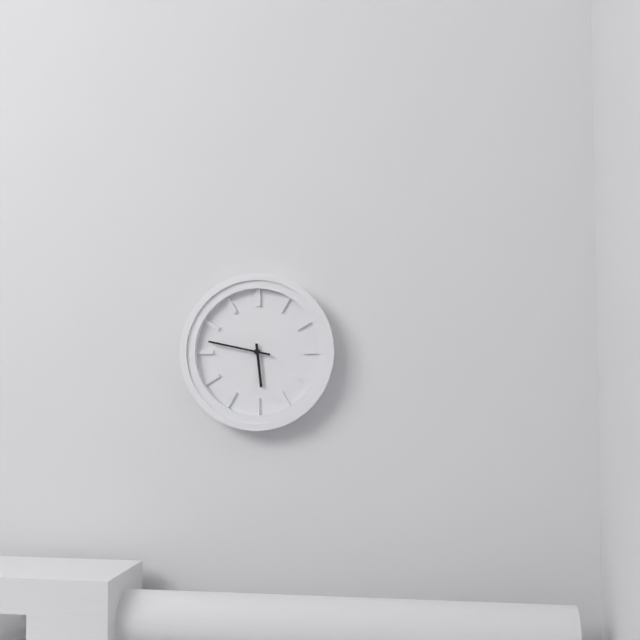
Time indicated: 5h47
